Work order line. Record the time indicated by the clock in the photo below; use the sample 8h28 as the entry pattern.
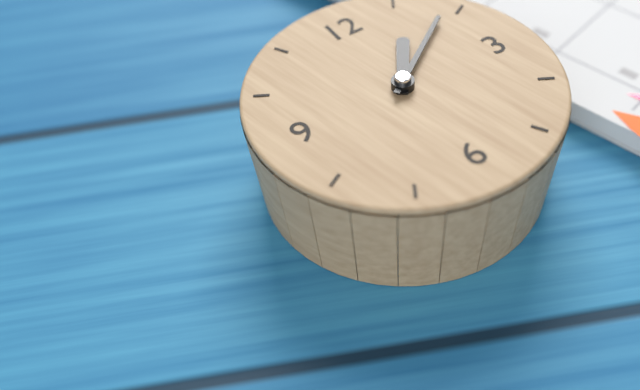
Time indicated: 1h09
